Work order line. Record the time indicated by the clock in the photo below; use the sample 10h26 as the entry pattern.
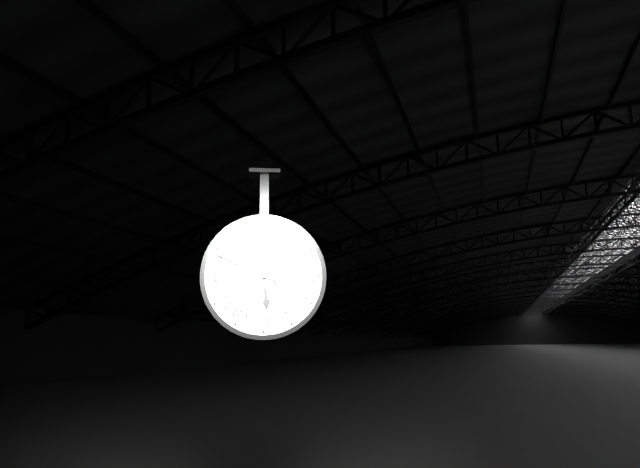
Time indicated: 5h49
